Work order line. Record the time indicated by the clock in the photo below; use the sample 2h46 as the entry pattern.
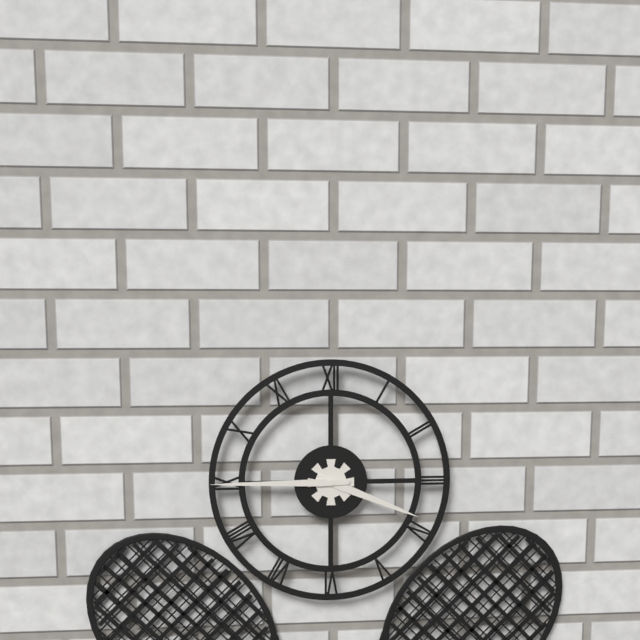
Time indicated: 3h45
